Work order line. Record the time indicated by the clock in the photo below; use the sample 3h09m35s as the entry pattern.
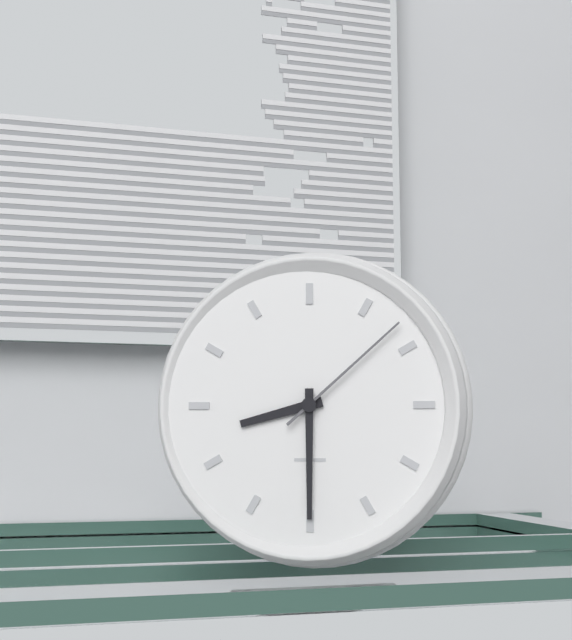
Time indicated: 8h30m08s
